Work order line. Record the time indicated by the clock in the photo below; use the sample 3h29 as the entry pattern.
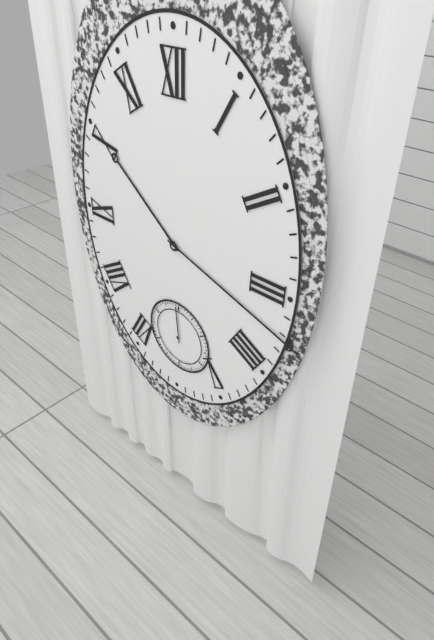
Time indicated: 10h18
